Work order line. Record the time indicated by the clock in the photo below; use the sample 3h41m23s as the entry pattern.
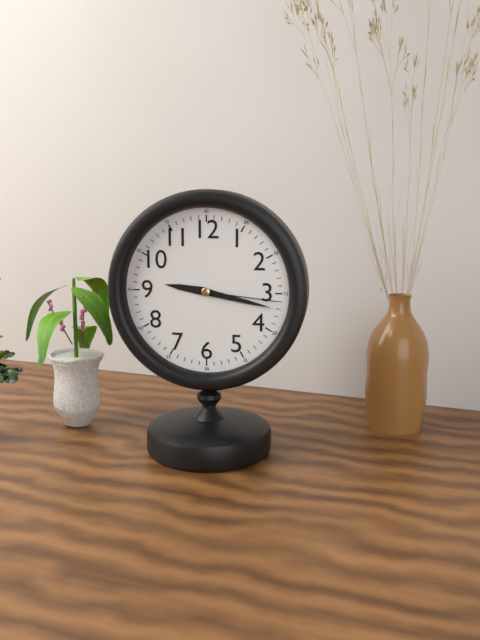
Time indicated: 9h17m16s
